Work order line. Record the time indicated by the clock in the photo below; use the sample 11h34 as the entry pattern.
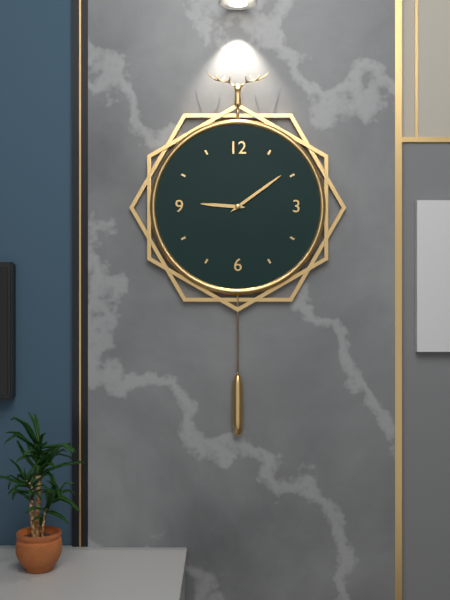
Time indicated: 9h09
